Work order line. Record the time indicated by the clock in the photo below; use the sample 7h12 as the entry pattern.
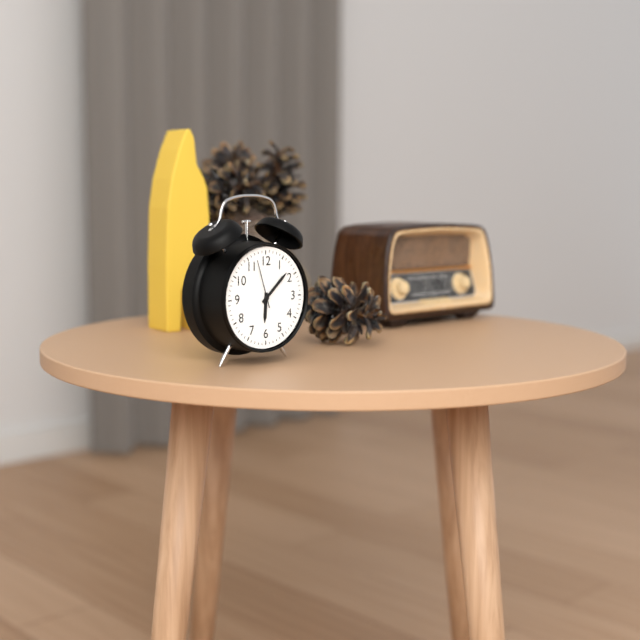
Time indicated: 6h08
